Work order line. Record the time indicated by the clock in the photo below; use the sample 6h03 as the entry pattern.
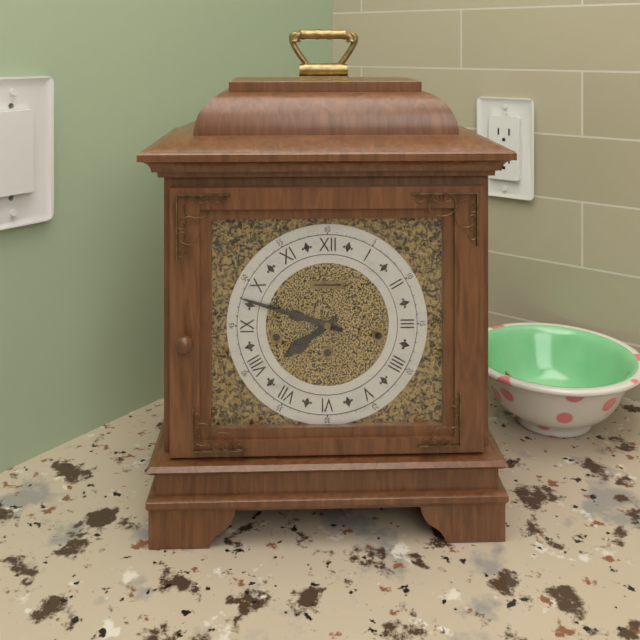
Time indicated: 7h48
